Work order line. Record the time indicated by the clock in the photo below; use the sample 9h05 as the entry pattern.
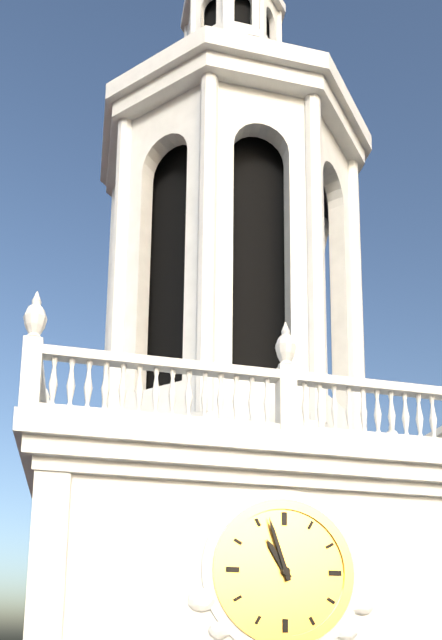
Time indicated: 10h57
